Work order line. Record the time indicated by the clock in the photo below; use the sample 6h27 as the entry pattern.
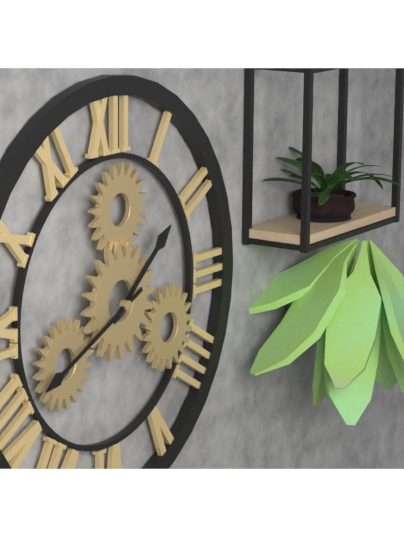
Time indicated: 1h41
